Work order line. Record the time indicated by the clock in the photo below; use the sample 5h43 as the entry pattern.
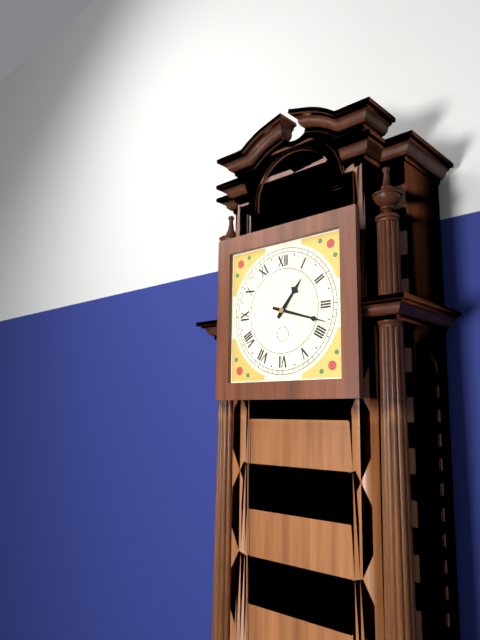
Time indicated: 1h18
